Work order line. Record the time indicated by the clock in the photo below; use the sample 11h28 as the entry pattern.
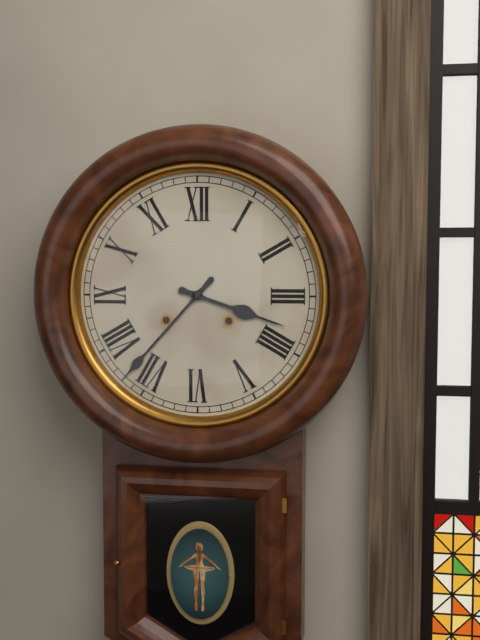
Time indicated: 3h37
